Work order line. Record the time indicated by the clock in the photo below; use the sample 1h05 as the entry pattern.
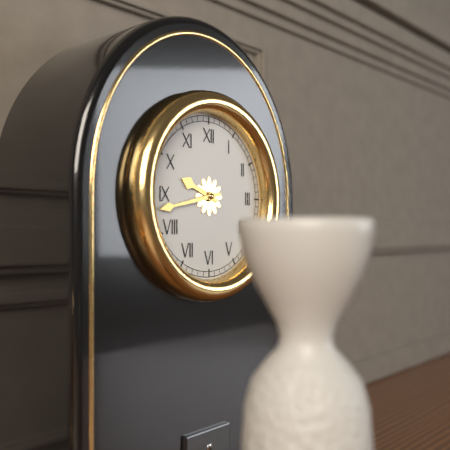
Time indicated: 9h43
